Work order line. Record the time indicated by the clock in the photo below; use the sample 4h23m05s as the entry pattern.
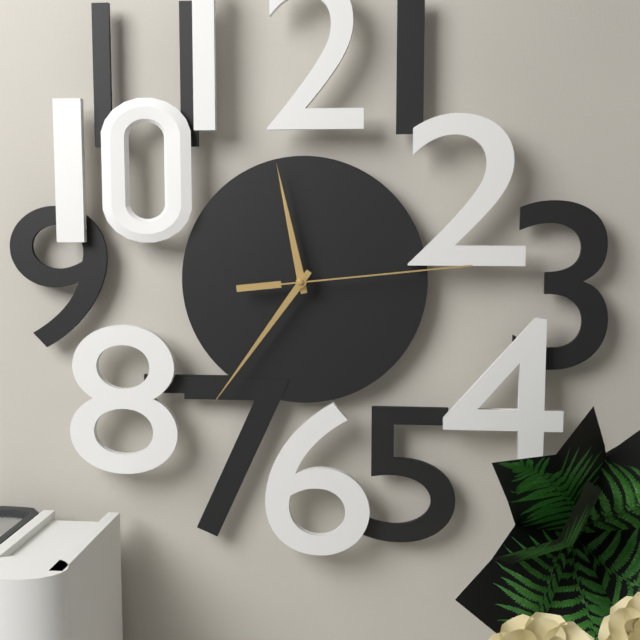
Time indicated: 11h36m14s
